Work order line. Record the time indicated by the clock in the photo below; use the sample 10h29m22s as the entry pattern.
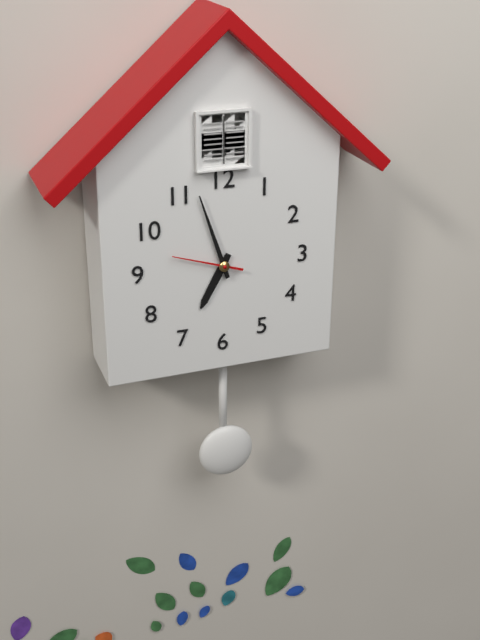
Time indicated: 6h57m48s
